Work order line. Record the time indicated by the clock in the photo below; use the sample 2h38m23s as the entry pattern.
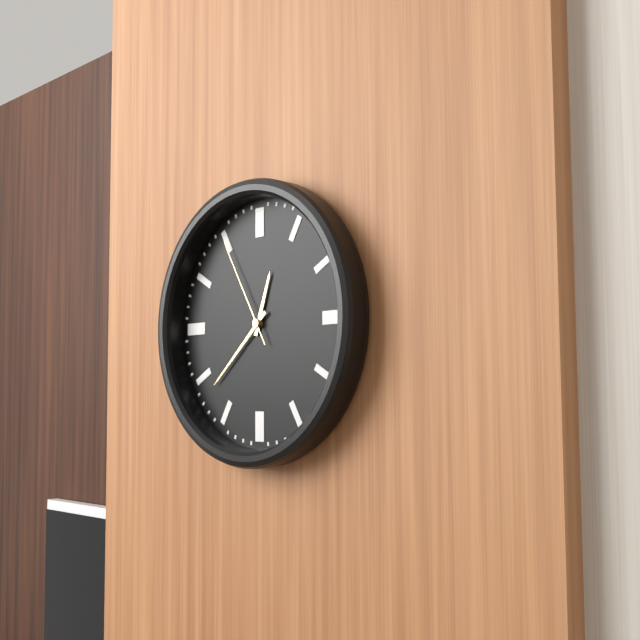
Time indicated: 12h38m55s
